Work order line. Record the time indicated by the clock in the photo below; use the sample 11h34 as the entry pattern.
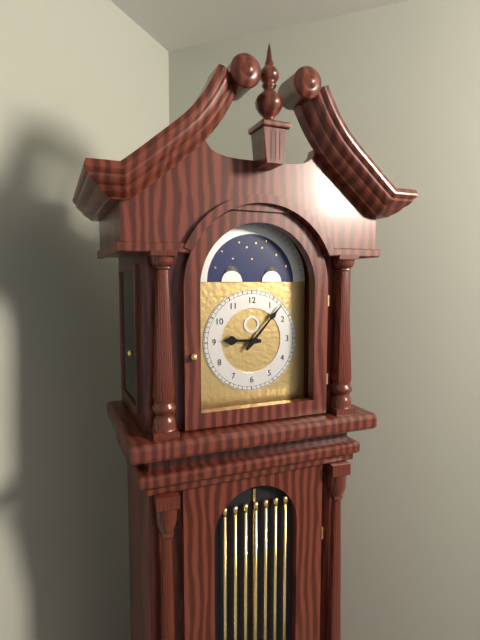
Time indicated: 9h07
